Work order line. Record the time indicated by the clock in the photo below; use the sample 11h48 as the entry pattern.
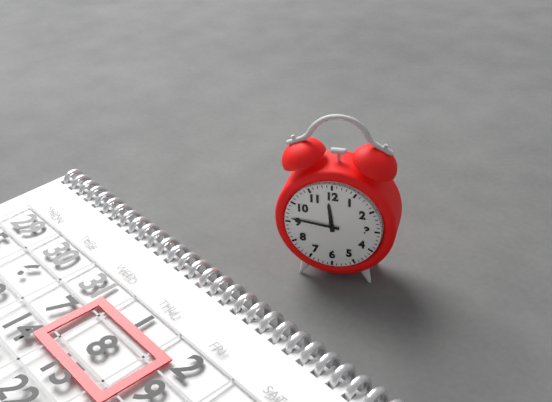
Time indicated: 11h46
